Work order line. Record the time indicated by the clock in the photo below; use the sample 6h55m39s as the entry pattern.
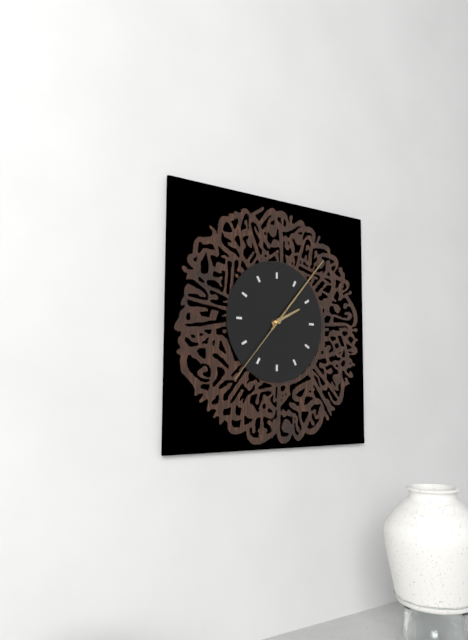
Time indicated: 2h07m37s
